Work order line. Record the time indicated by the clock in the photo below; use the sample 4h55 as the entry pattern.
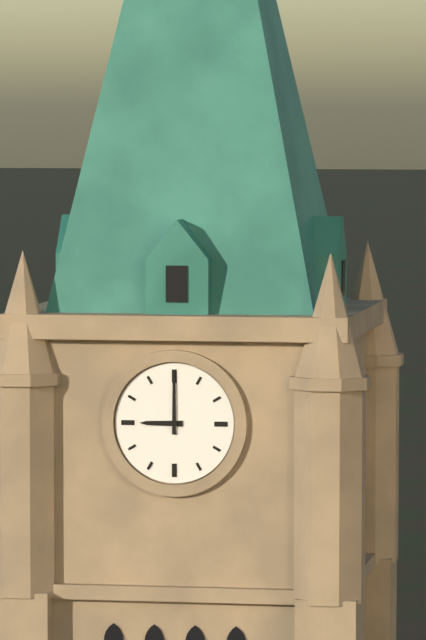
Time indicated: 9h00
